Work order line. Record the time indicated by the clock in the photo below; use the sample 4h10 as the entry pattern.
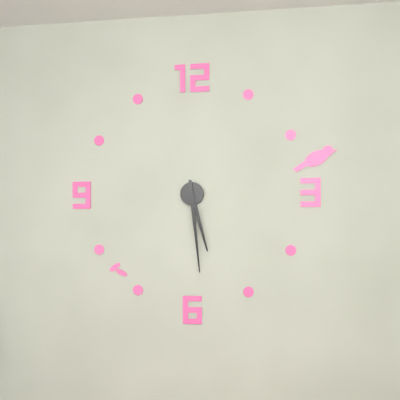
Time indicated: 5h29
